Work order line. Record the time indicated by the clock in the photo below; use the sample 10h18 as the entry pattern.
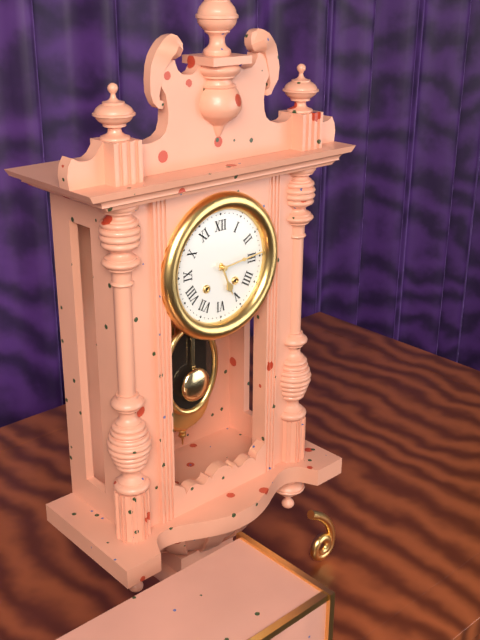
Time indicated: 5h14
